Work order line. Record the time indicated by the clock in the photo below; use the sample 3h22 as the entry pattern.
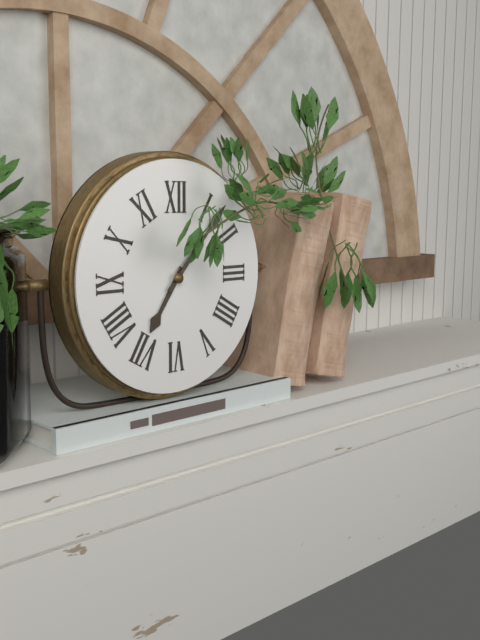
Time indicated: 7h07
